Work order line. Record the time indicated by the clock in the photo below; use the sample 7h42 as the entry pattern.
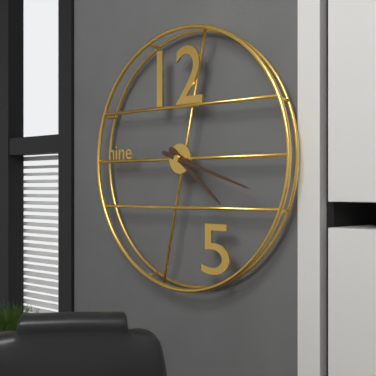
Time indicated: 4h18
